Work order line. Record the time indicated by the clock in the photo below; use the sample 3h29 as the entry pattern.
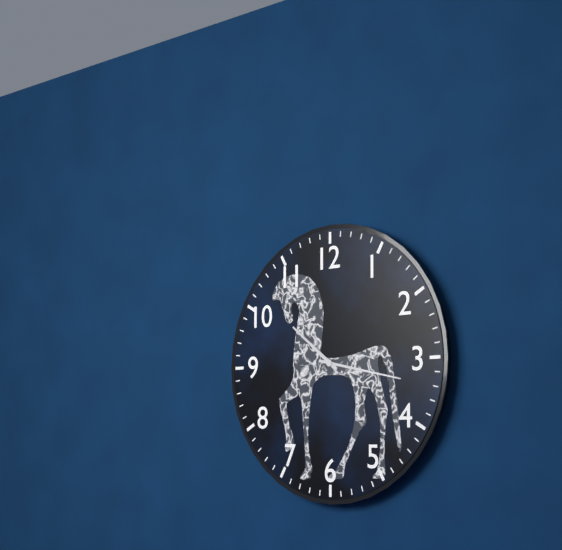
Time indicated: 10h17
